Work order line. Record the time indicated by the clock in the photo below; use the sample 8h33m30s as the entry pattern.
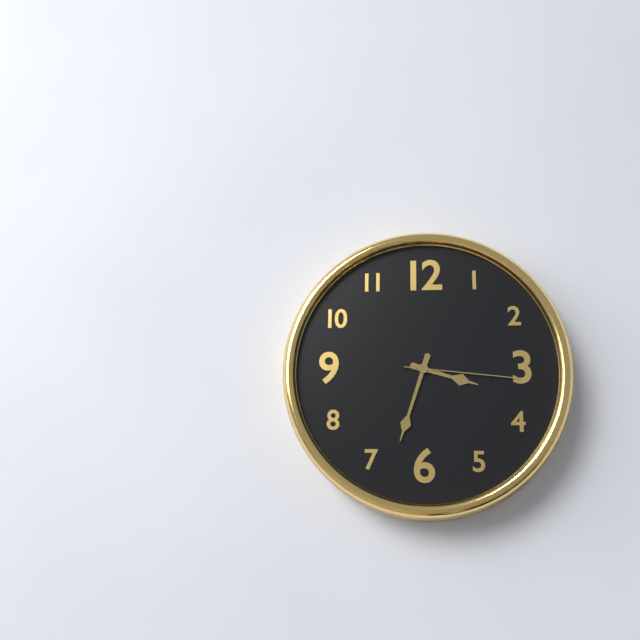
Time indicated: 3h33m16s
